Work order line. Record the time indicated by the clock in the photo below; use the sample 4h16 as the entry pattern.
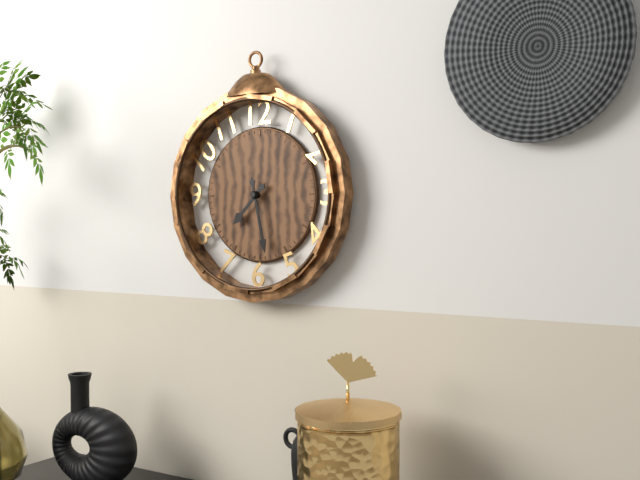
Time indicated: 7h28
